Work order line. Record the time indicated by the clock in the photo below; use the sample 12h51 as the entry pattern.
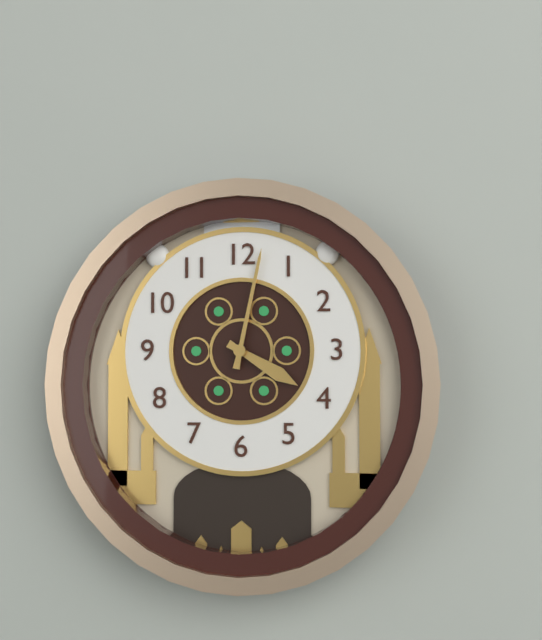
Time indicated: 4h02
